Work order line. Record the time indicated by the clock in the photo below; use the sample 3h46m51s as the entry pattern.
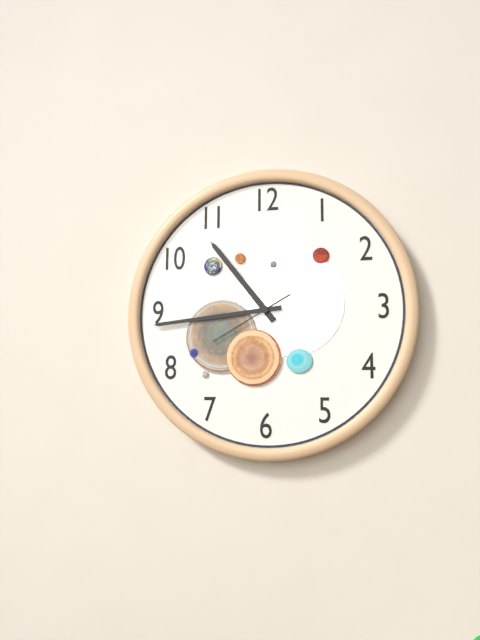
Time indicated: 10h44m40s
